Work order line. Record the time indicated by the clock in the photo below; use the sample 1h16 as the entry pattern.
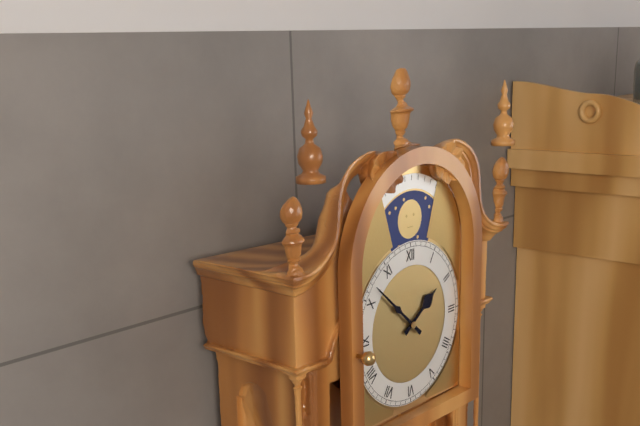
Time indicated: 1h52
